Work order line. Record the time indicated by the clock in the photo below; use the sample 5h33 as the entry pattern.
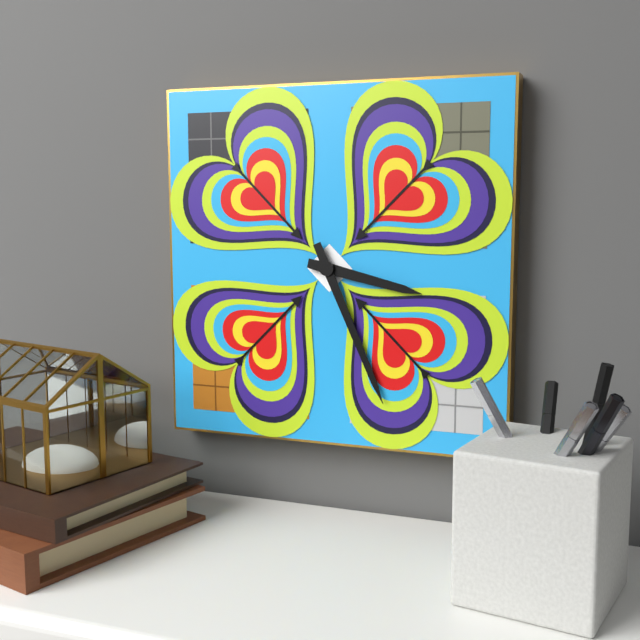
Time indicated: 3h26
